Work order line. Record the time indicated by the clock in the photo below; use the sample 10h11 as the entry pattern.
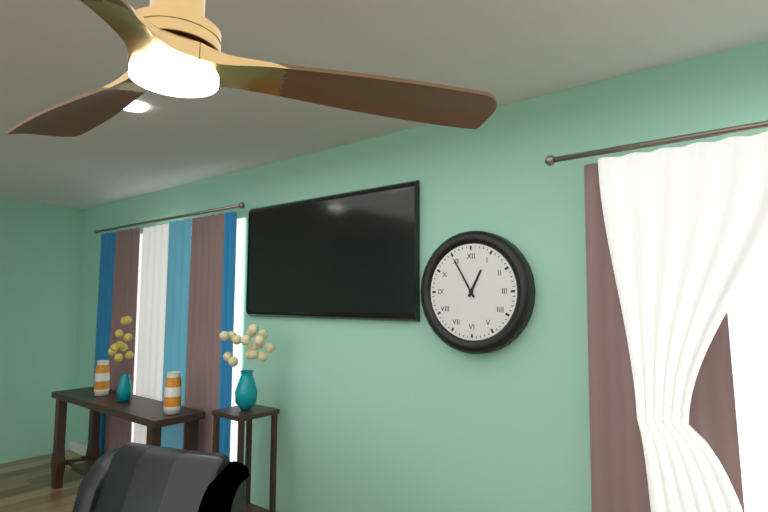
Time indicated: 12h55
